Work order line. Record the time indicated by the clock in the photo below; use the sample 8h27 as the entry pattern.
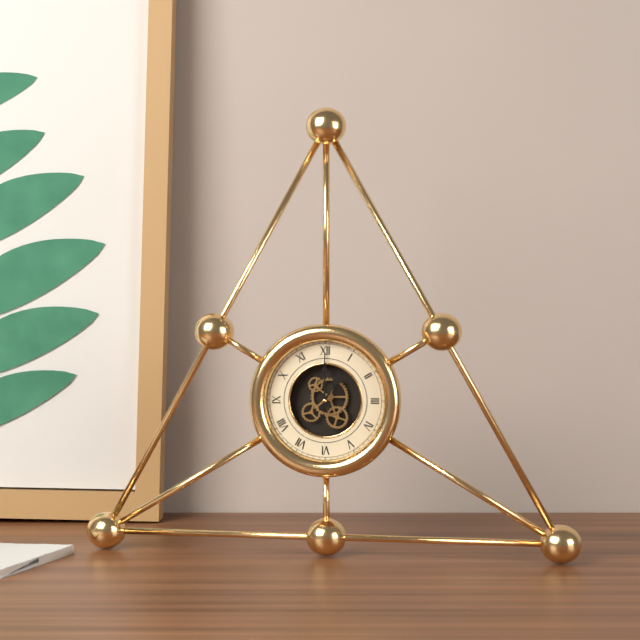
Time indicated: 1h00
